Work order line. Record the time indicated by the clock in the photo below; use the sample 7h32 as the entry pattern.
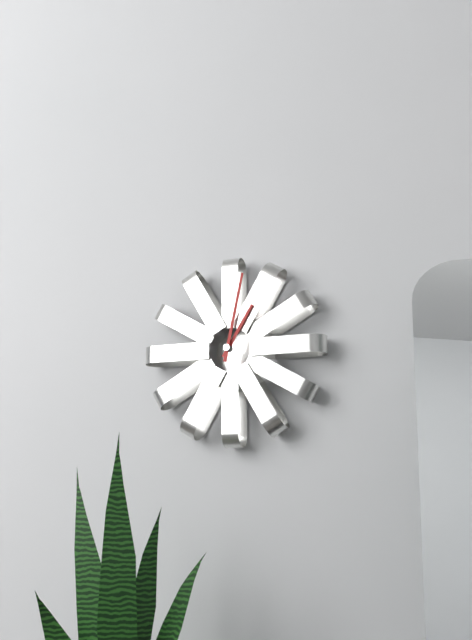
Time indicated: 1h02
